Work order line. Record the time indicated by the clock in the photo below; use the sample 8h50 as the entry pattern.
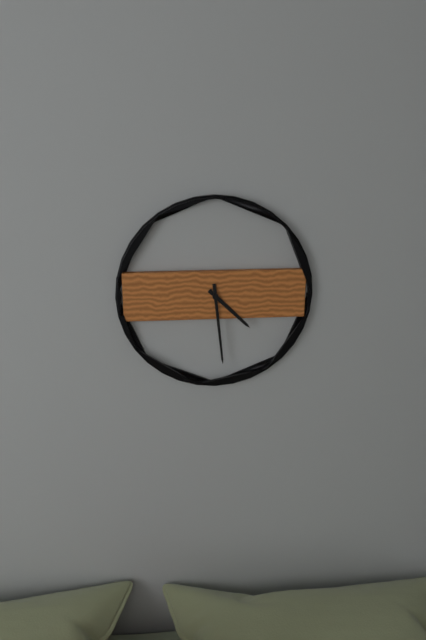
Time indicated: 4h29
